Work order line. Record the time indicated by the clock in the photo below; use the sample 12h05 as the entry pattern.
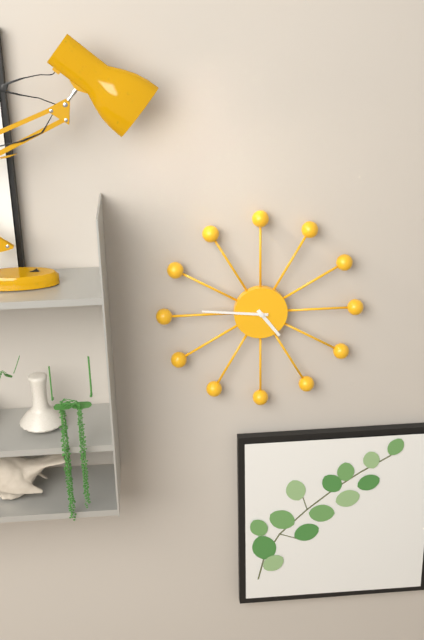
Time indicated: 4h46
